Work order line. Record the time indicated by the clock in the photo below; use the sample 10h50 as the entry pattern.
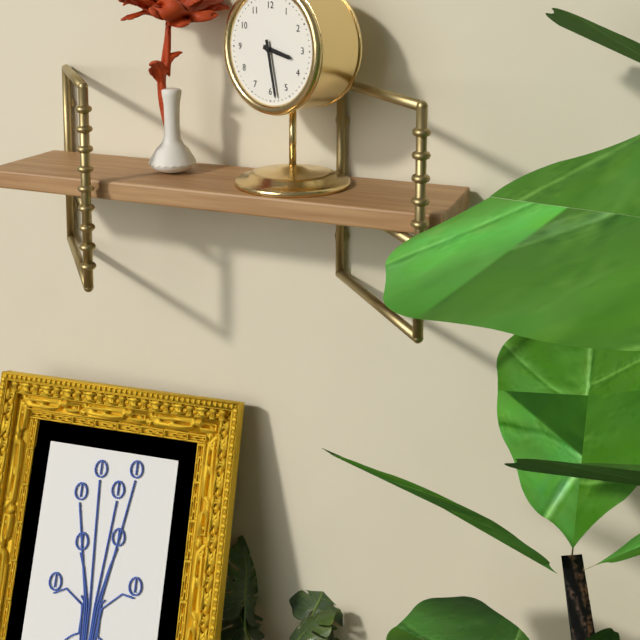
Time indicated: 3h28
